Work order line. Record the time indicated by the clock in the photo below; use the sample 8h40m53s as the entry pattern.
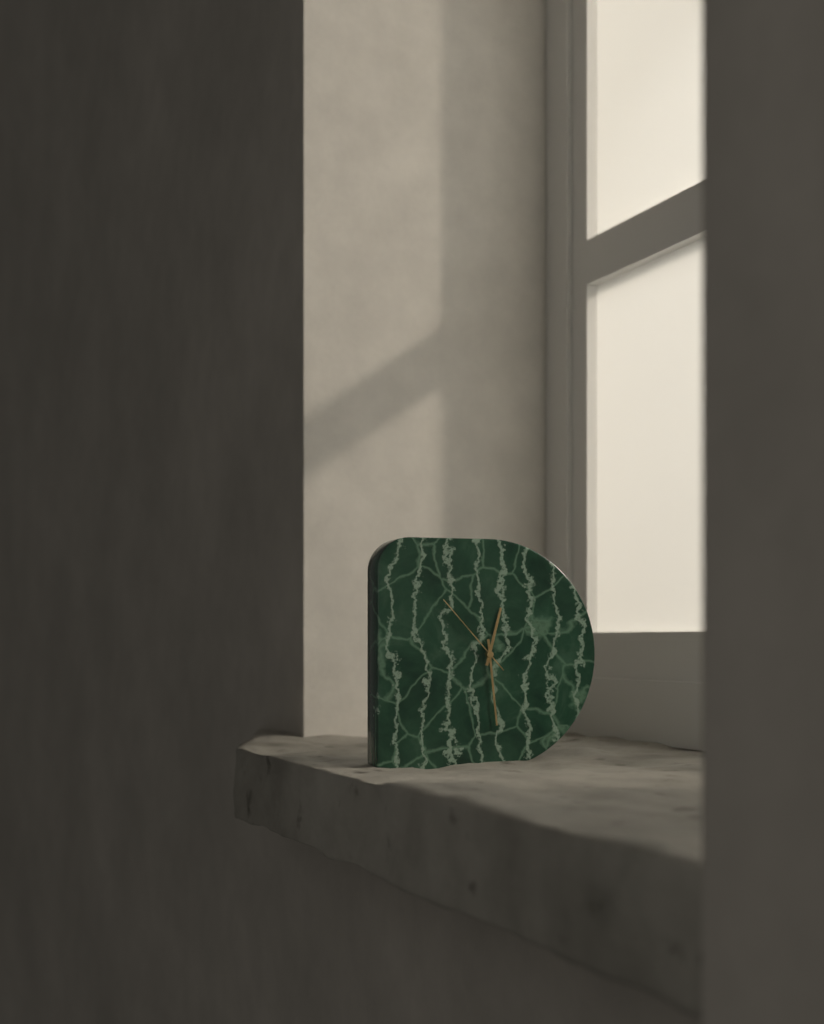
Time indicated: 12h29m53s
